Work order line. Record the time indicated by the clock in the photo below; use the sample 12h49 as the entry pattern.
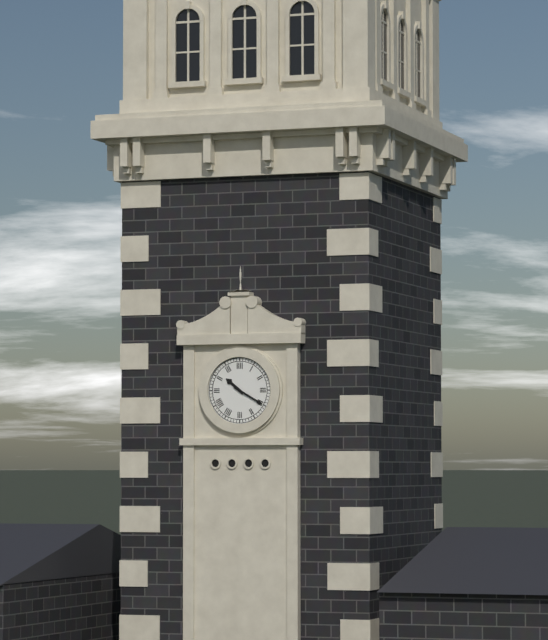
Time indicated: 10h20
